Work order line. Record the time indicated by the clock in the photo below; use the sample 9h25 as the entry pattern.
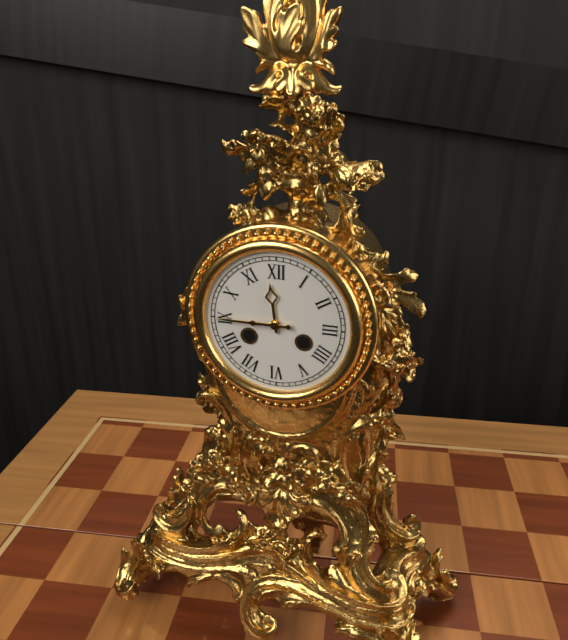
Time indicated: 11h45
